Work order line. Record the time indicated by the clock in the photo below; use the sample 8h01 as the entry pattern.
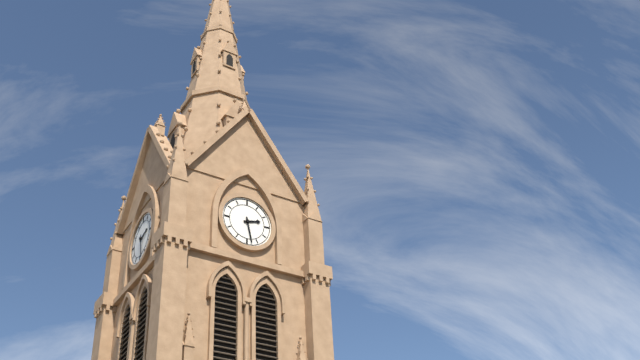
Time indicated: 2h28
